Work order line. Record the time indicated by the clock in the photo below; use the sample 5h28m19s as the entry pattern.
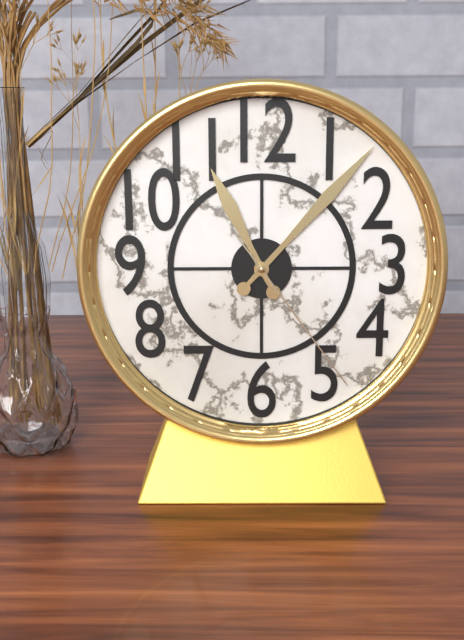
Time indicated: 11h07m24s
